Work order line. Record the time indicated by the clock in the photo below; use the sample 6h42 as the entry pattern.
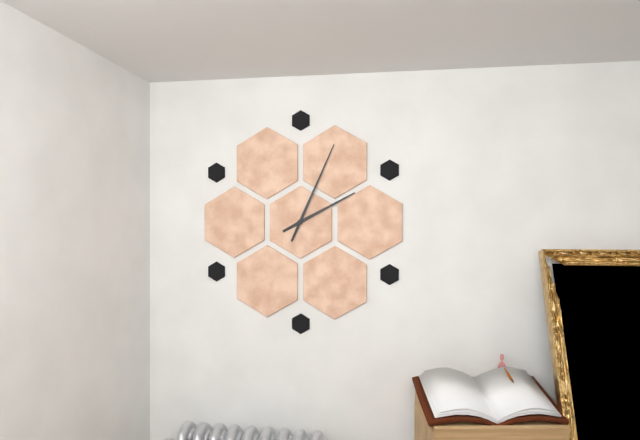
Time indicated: 2h04
